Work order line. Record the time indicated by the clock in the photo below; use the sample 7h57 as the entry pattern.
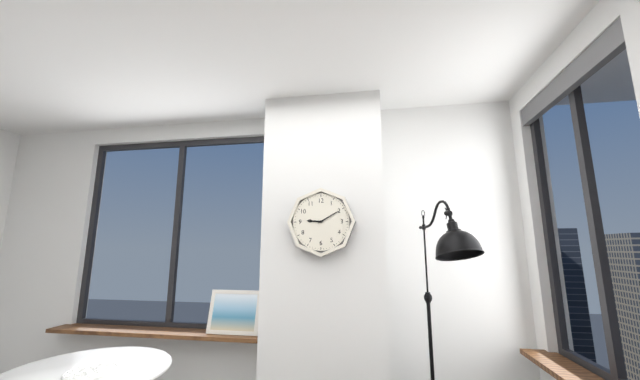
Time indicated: 9h10
